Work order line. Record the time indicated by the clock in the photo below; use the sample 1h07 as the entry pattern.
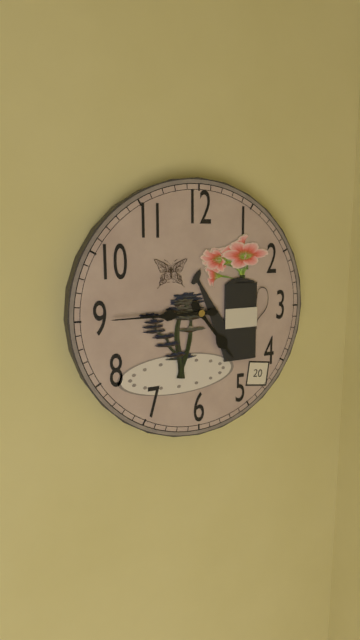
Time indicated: 4h45
